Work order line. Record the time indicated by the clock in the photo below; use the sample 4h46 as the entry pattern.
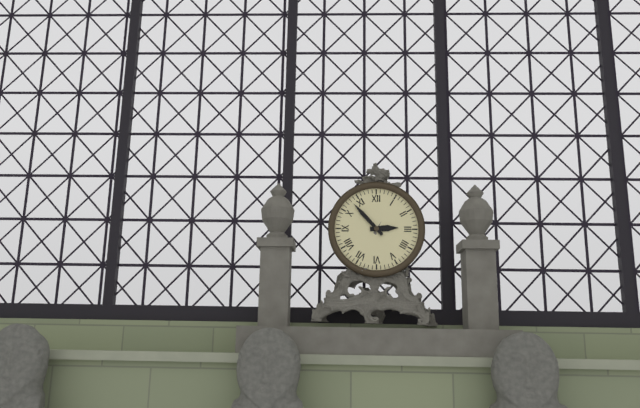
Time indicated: 2h53
